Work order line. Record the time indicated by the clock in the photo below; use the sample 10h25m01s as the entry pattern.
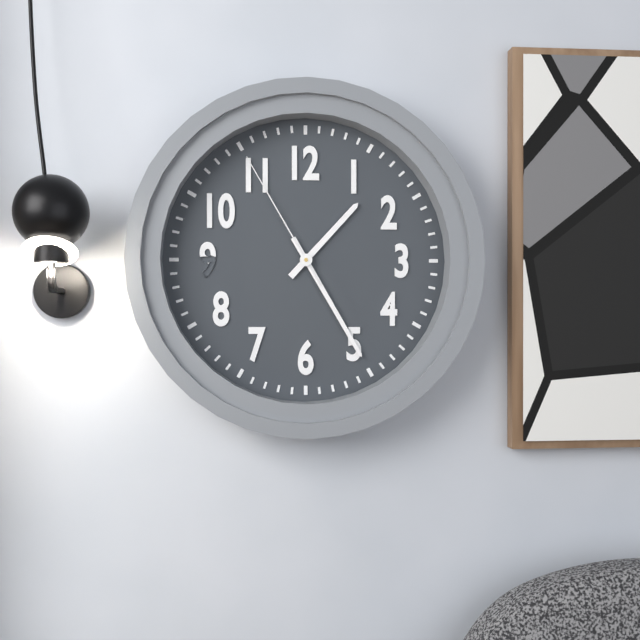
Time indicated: 1h25m55s
